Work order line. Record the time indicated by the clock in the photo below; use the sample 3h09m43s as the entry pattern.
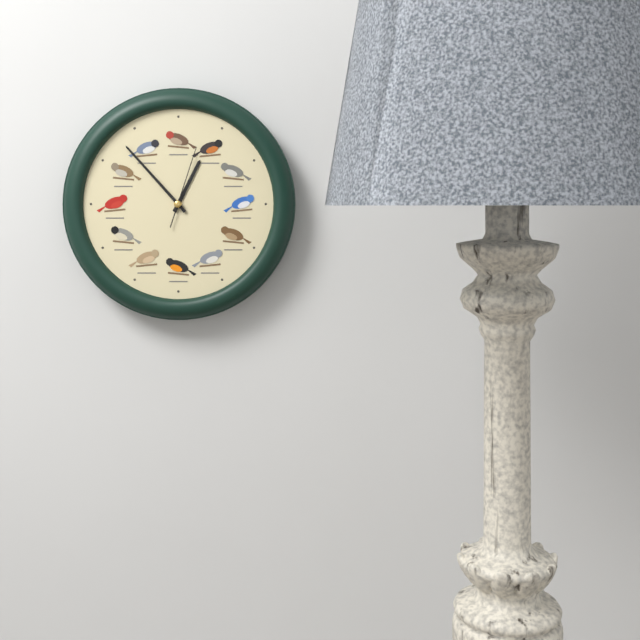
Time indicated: 12h53m03s
